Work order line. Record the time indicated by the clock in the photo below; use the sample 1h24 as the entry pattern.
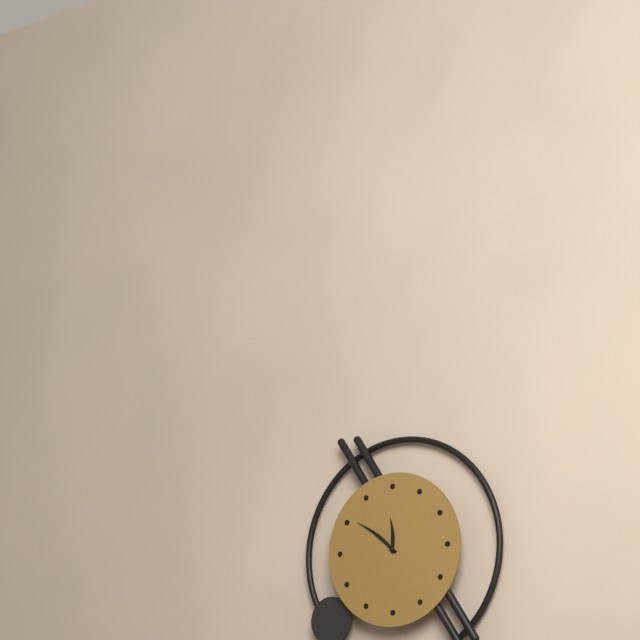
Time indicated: 11h51
